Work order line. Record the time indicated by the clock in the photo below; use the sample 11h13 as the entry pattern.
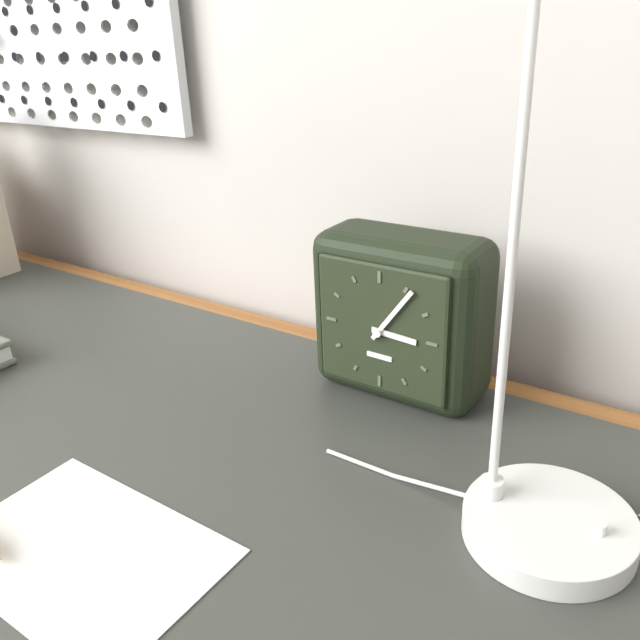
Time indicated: 3h06
